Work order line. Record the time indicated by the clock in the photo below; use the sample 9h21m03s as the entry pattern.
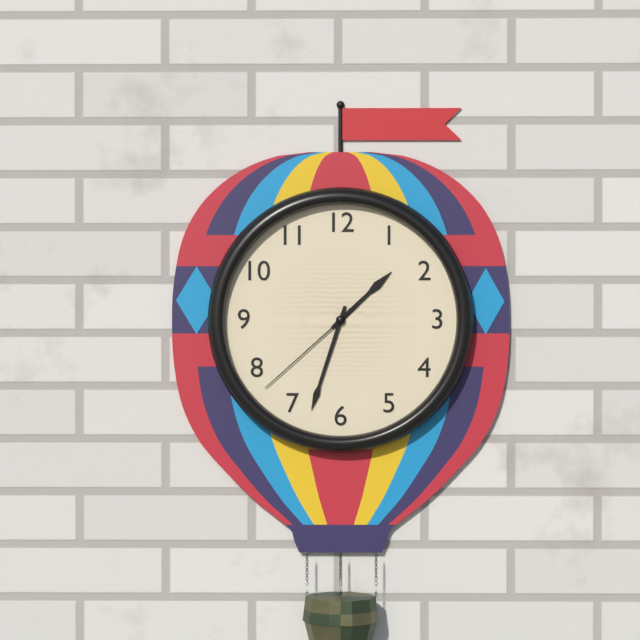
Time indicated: 1h33m38s
